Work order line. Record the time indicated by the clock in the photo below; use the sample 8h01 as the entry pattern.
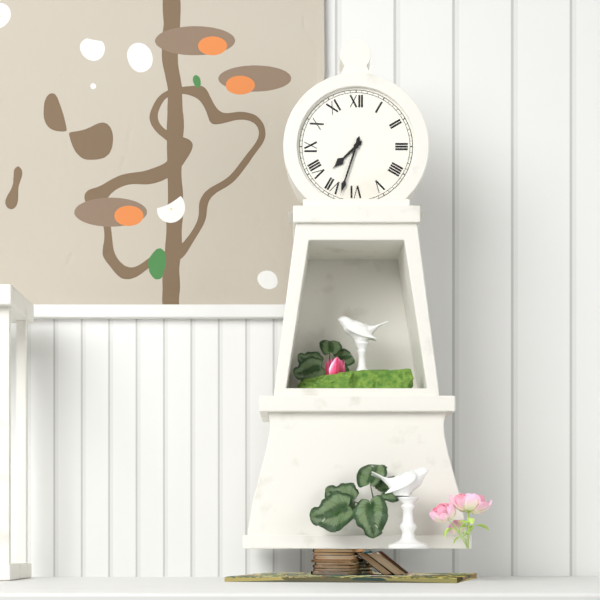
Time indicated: 7h33
